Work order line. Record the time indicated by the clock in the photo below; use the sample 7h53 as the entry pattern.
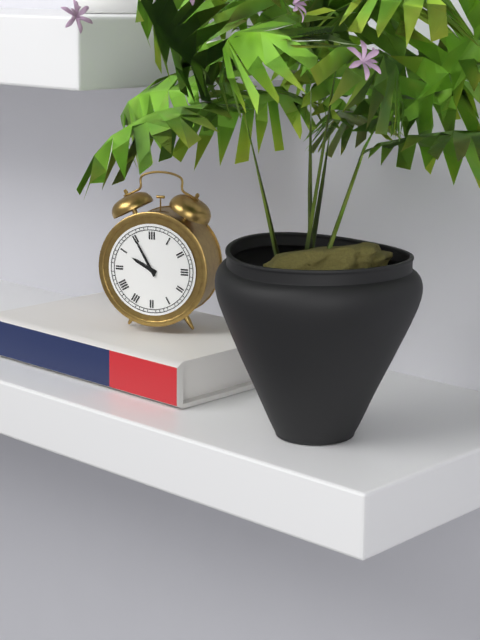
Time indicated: 9h55
